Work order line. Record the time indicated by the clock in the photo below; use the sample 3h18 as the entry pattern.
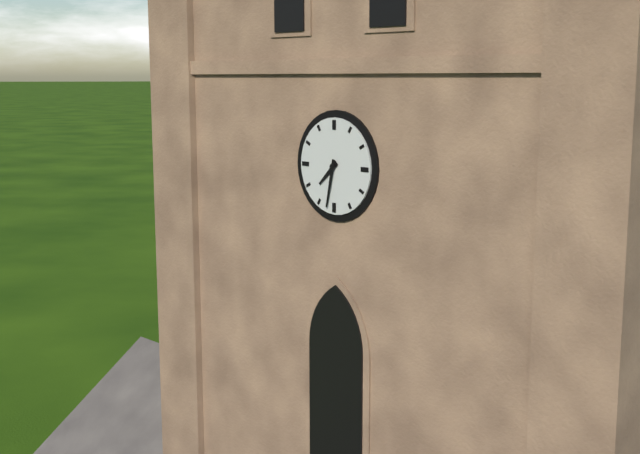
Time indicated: 7h32
